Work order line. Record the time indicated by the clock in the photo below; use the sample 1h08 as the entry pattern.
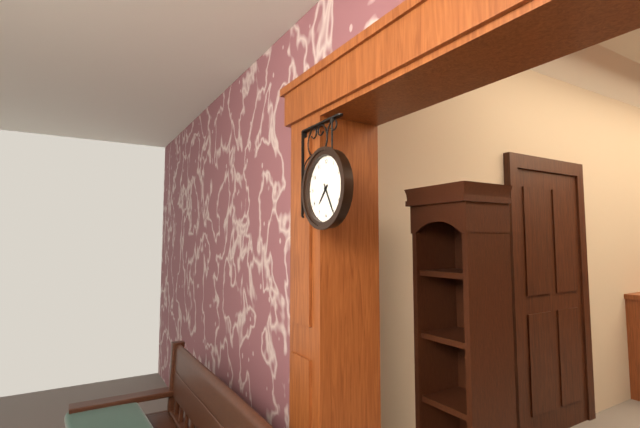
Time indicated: 7h25
